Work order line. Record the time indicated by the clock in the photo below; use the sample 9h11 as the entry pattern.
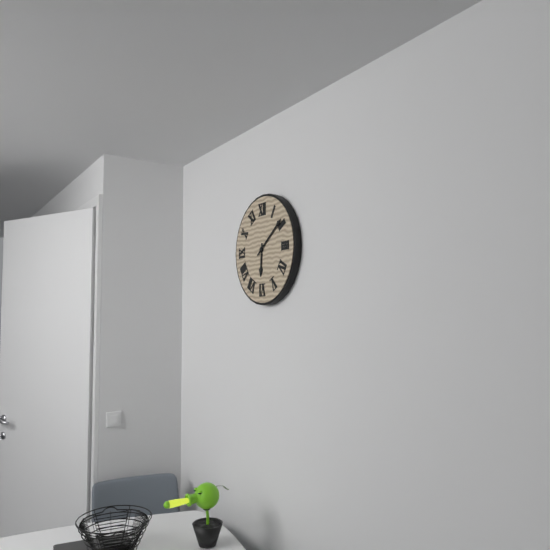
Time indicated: 6h09
